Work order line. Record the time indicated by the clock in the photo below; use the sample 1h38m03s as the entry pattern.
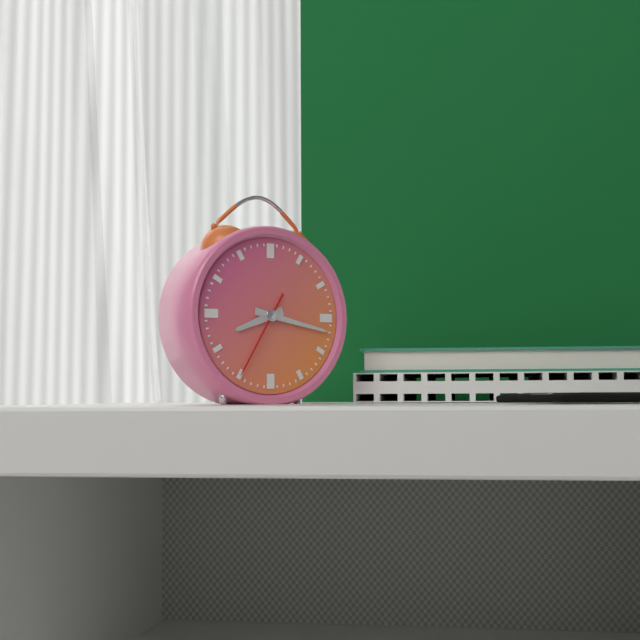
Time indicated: 8h17m35s
